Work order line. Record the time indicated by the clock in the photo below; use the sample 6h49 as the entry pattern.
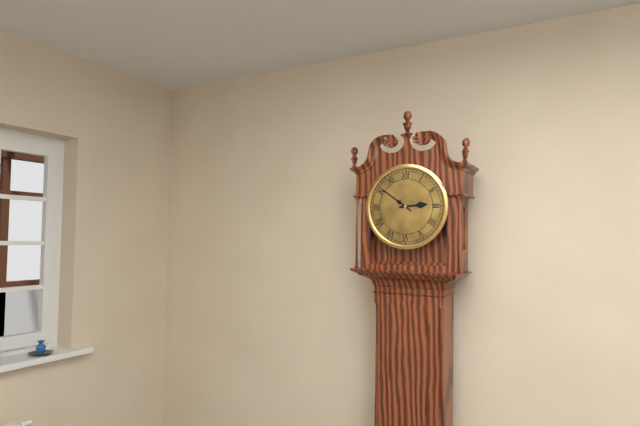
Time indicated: 2h51
